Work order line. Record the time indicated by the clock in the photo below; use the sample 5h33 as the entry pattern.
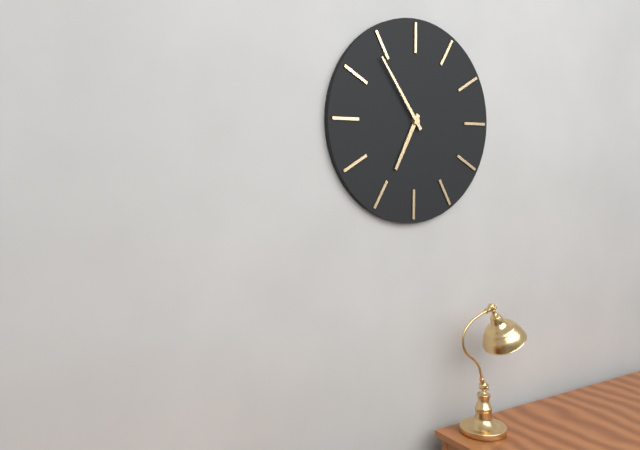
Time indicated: 6h54
